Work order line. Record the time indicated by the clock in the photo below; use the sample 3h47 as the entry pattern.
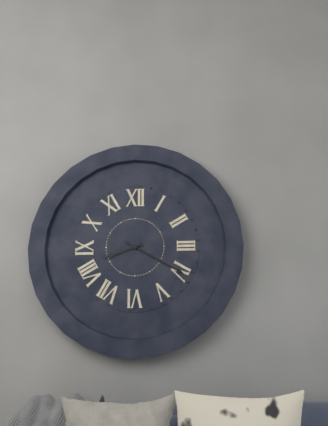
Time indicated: 8h20
